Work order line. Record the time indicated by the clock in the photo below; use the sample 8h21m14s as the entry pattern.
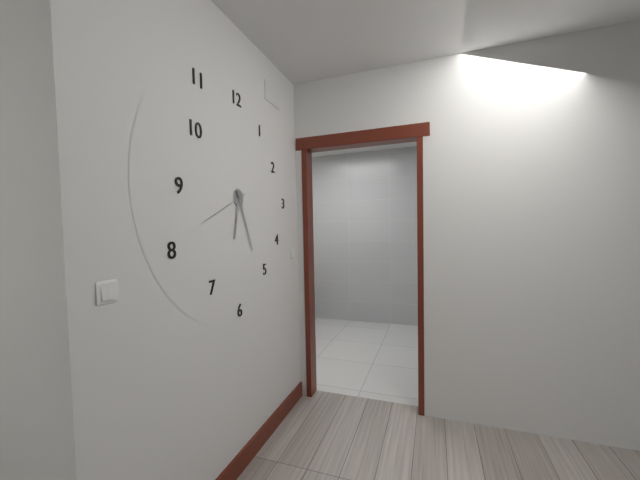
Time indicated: 6h26m41s
